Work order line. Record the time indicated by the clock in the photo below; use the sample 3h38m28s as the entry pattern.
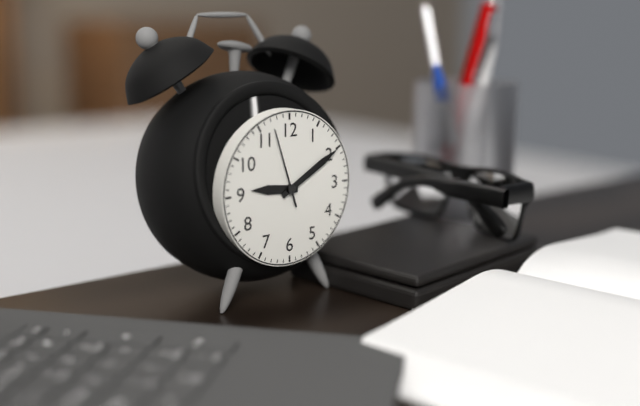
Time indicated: 9h10m57s
